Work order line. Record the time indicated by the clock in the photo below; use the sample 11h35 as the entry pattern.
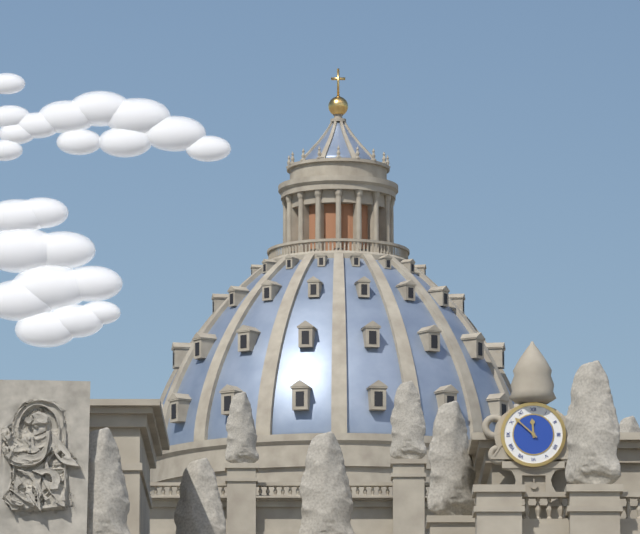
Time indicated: 11h52
